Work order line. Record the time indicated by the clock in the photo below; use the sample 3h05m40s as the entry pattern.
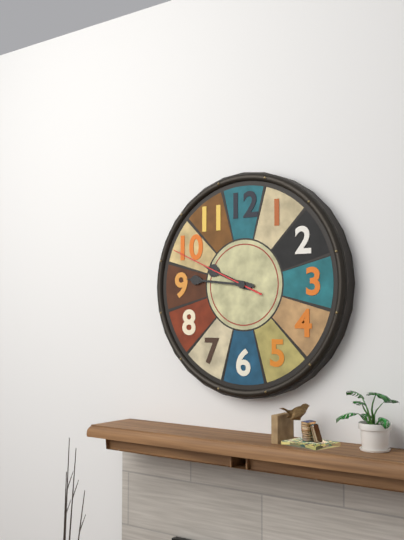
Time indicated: 9h46m49s
